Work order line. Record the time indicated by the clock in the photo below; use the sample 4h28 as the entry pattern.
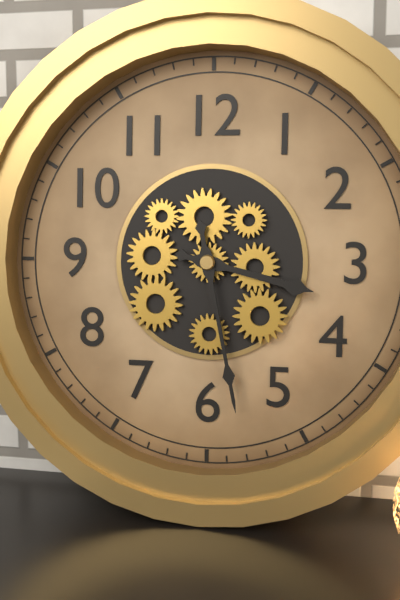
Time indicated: 3h28
